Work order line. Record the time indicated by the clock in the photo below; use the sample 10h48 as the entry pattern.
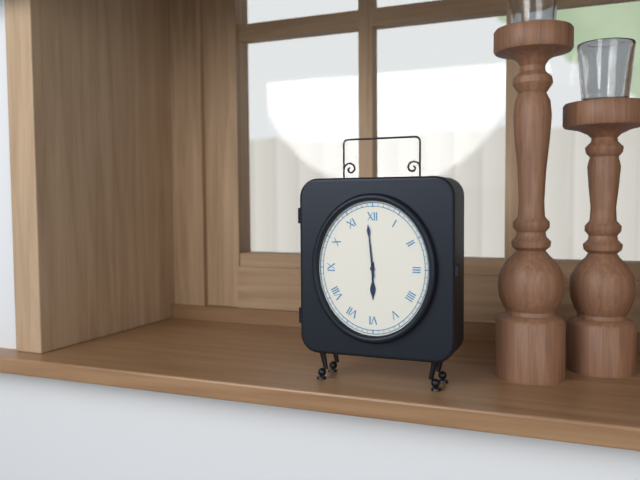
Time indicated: 5h59
